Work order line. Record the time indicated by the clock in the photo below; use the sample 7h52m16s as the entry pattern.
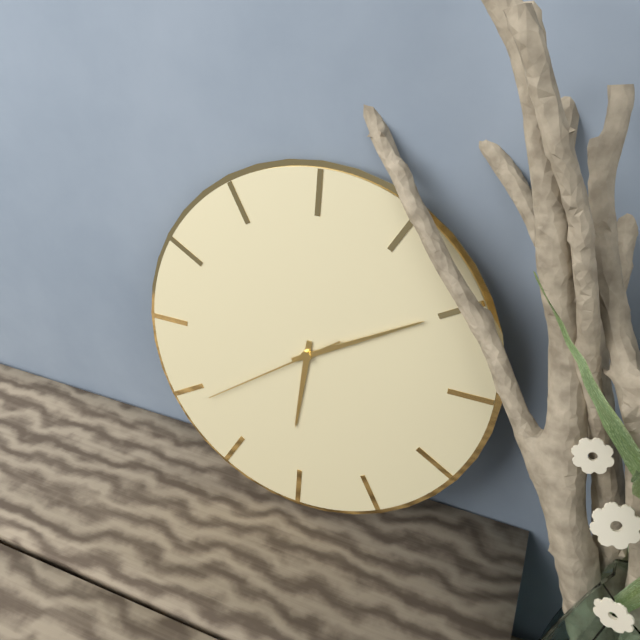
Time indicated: 6h10m39s
